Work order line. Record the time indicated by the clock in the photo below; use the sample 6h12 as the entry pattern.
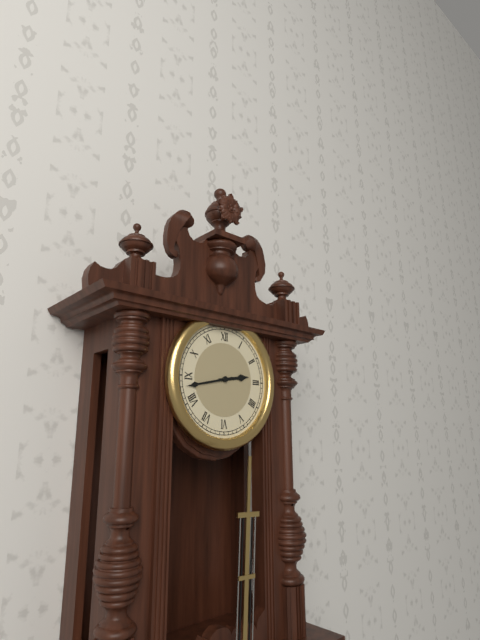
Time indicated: 2h43
